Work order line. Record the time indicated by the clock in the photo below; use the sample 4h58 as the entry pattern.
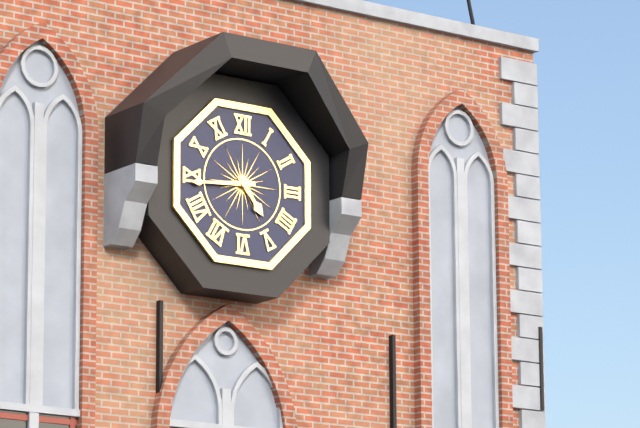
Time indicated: 4h44
